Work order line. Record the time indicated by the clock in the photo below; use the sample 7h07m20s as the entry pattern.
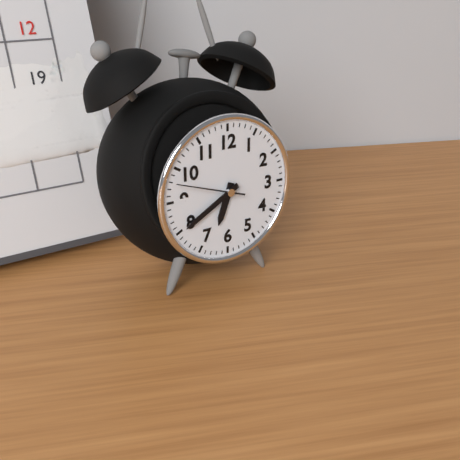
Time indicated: 6h40m48s
